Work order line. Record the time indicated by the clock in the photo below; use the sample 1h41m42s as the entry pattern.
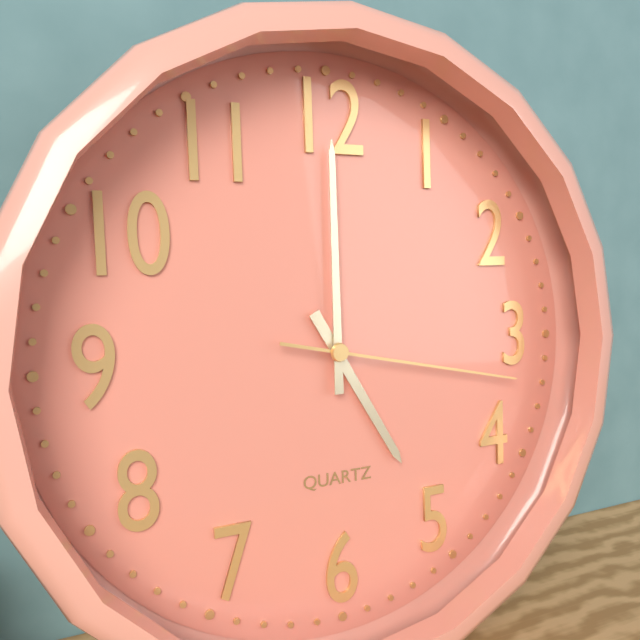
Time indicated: 5h00m17s
